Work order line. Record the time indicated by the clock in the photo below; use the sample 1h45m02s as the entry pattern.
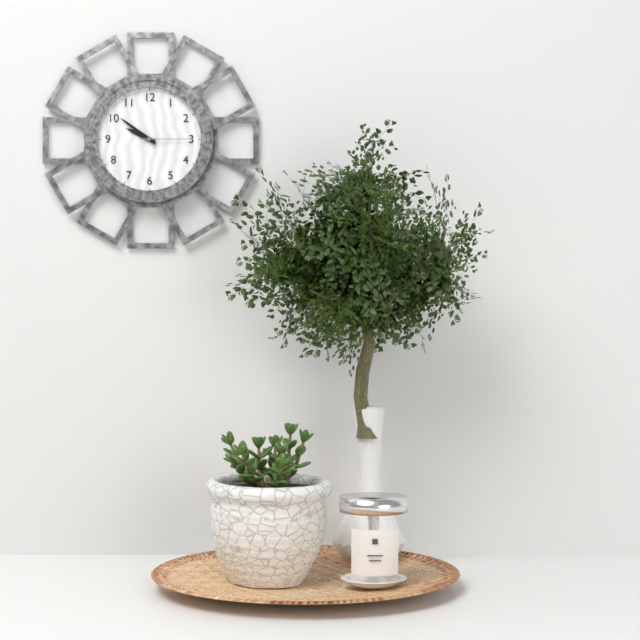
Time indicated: 9h51m15s
